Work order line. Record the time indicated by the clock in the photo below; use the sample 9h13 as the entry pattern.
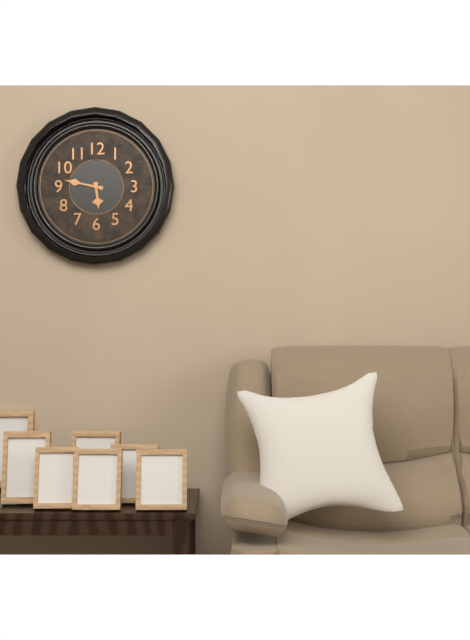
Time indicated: 5h47
